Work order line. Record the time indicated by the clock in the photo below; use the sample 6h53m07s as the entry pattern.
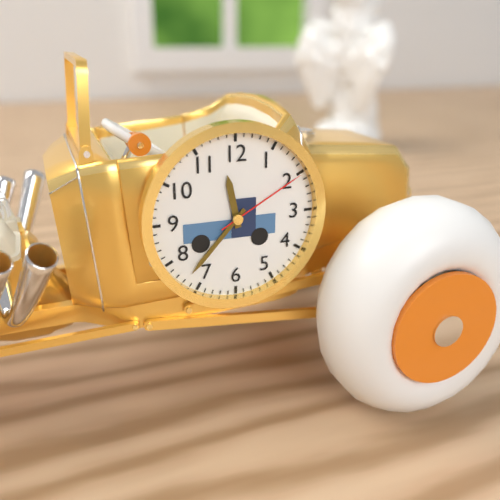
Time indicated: 11h37m10s
